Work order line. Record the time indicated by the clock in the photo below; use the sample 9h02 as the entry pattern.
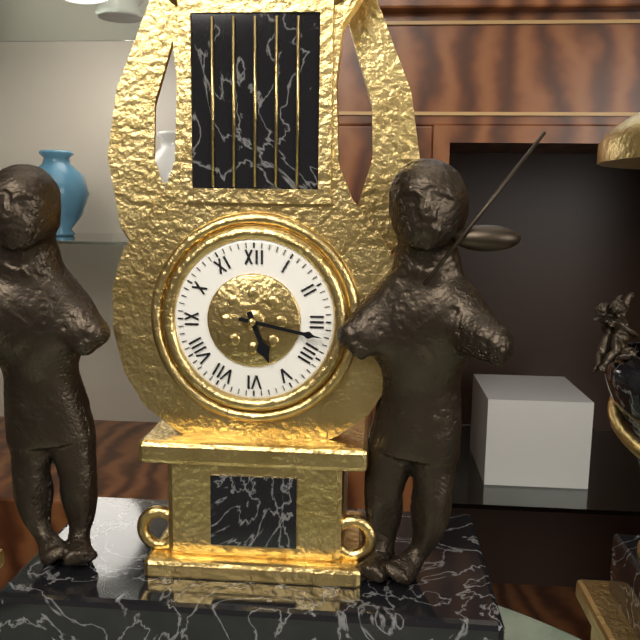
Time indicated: 5h17
